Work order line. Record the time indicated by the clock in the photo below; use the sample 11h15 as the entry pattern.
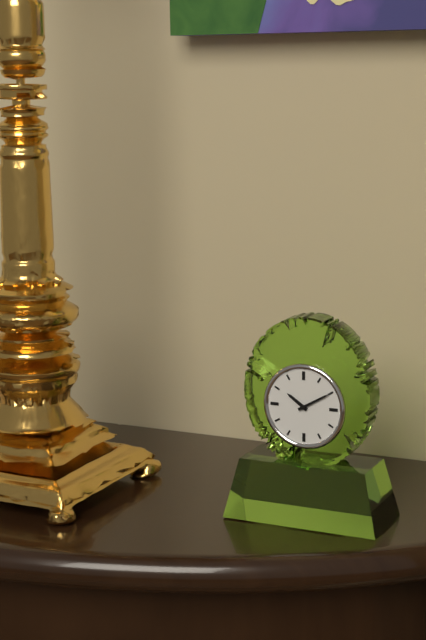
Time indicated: 10h10
